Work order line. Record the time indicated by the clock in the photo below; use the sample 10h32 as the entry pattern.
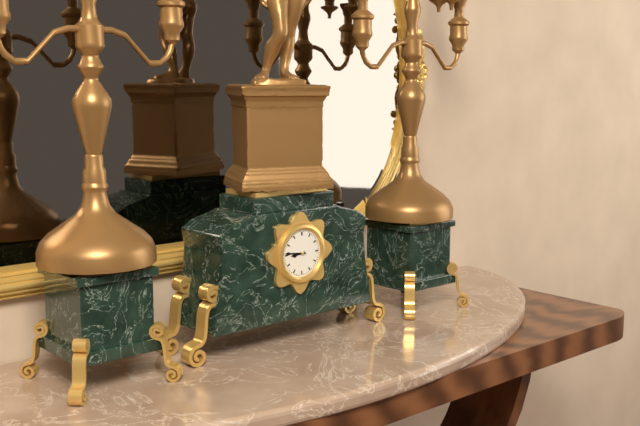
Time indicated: 8h46
